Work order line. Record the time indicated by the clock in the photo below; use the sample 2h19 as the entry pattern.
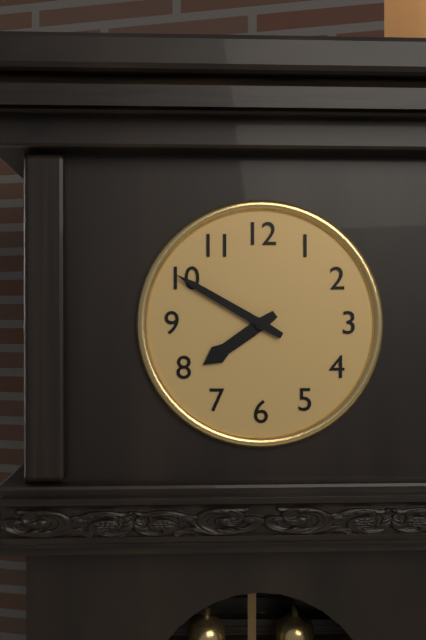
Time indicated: 7h50
